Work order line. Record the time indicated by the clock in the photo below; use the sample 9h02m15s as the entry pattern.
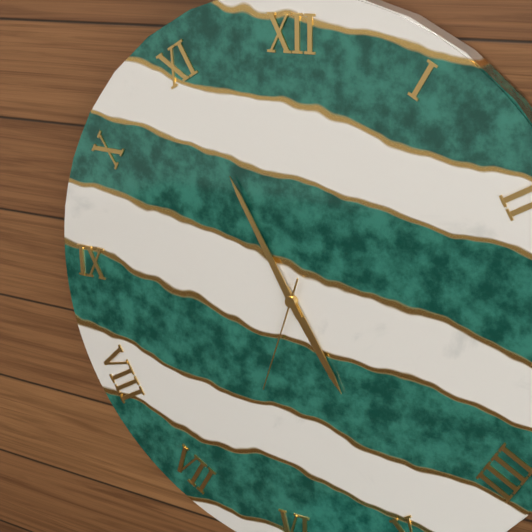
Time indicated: 4h55m33s
